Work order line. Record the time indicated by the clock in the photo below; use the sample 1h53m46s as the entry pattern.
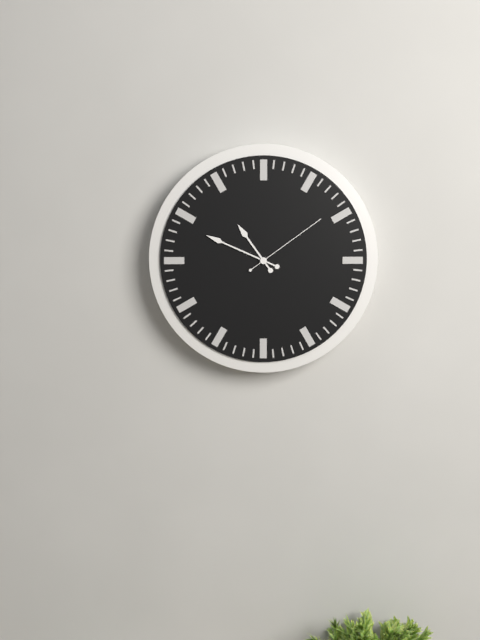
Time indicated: 10h49m09s
